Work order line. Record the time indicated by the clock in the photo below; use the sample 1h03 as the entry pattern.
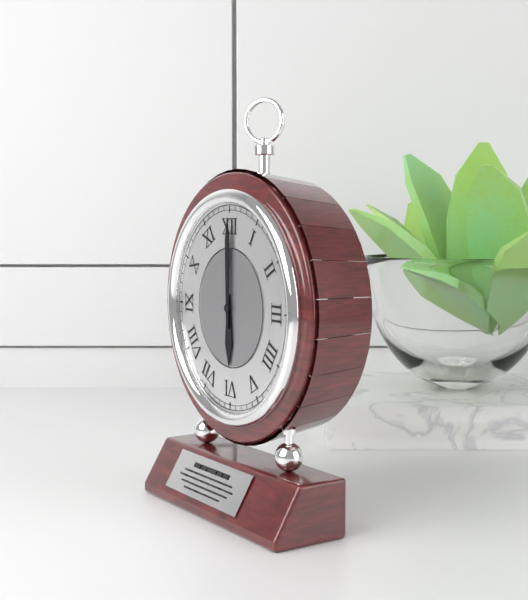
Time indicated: 6h00
